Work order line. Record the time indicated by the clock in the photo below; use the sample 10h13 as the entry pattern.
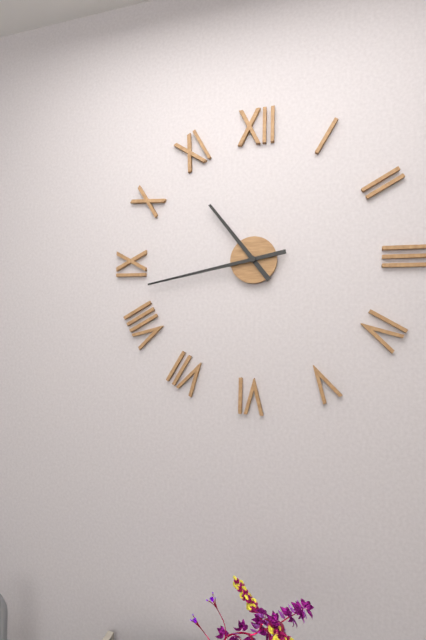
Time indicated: 10h43
